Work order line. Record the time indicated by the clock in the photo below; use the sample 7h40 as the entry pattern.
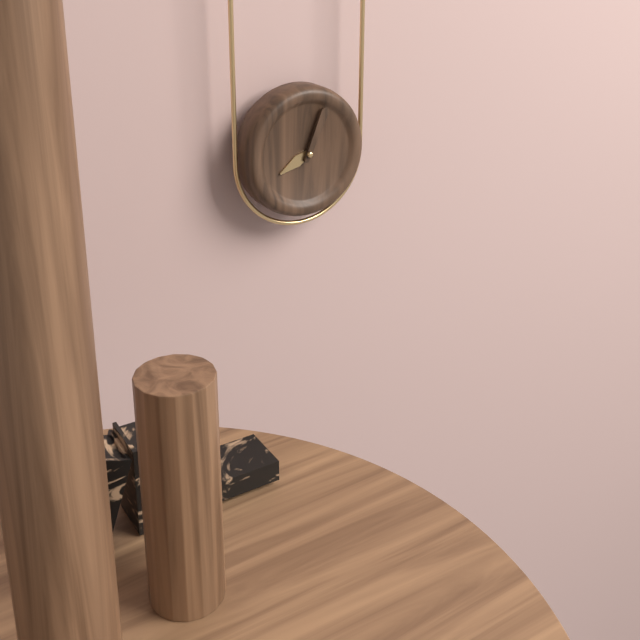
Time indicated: 8h04
